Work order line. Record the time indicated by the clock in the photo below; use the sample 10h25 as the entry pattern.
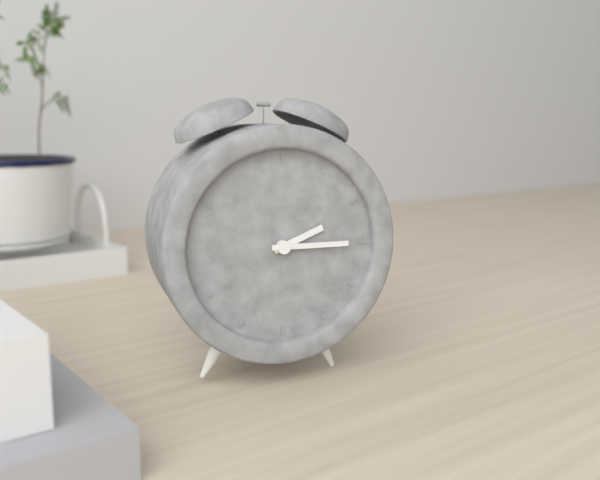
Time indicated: 2h15
